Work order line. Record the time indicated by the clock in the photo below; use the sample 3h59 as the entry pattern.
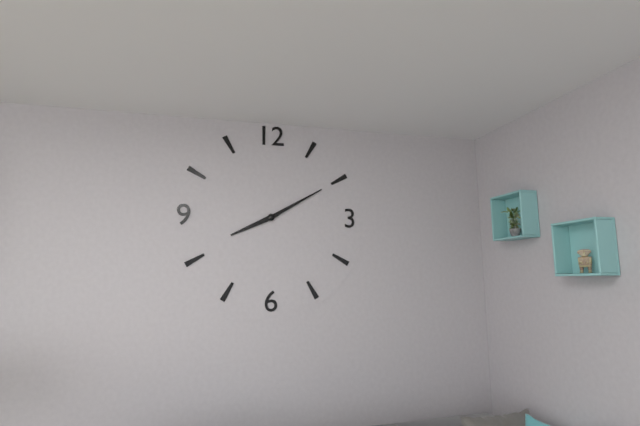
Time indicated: 8h10
